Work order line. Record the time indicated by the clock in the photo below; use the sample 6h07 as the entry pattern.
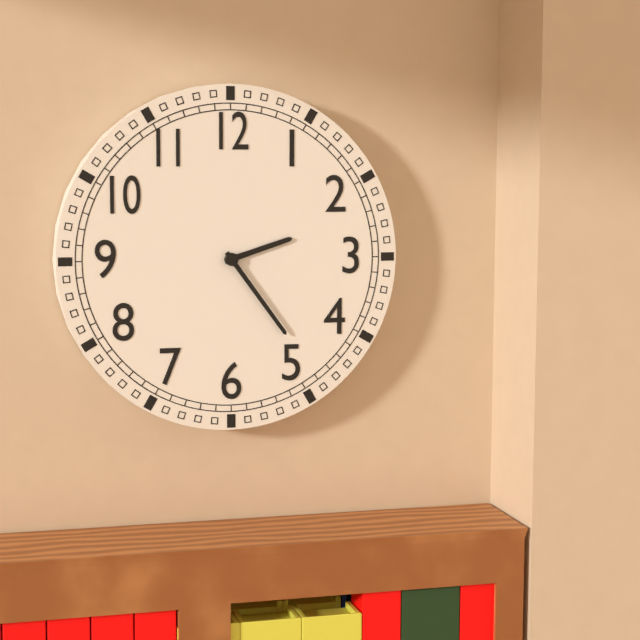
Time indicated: 2h24
